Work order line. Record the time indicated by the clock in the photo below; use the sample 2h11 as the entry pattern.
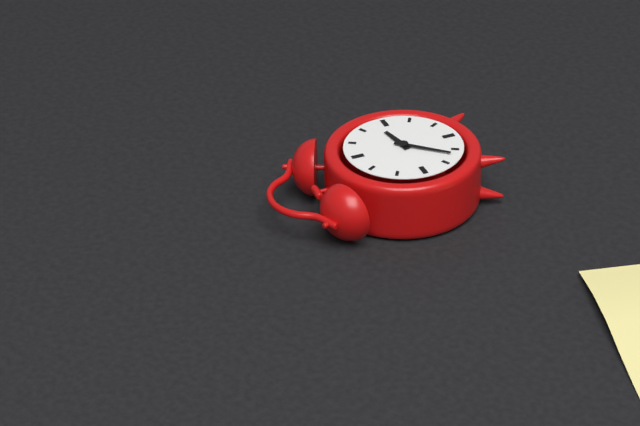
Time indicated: 2h37
